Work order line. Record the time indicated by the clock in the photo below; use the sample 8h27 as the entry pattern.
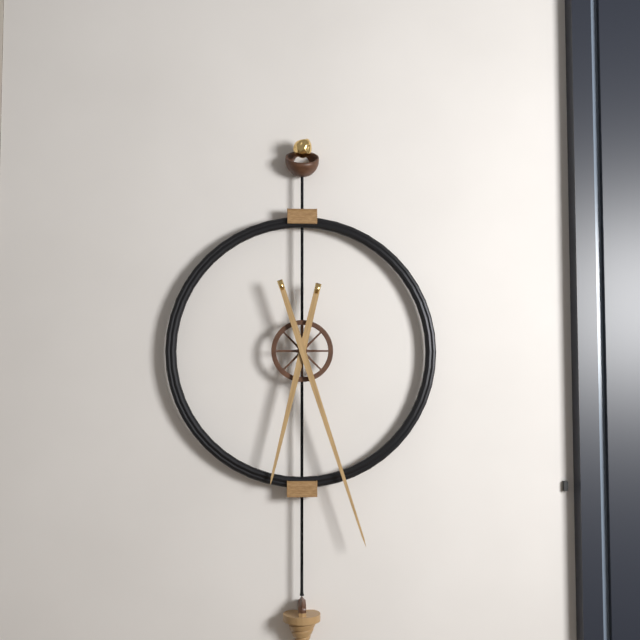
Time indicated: 6h27
